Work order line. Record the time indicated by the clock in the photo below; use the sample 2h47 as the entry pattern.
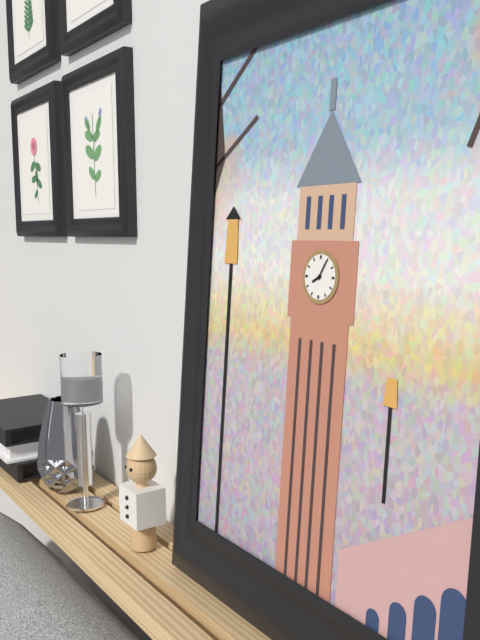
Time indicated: 8h05
